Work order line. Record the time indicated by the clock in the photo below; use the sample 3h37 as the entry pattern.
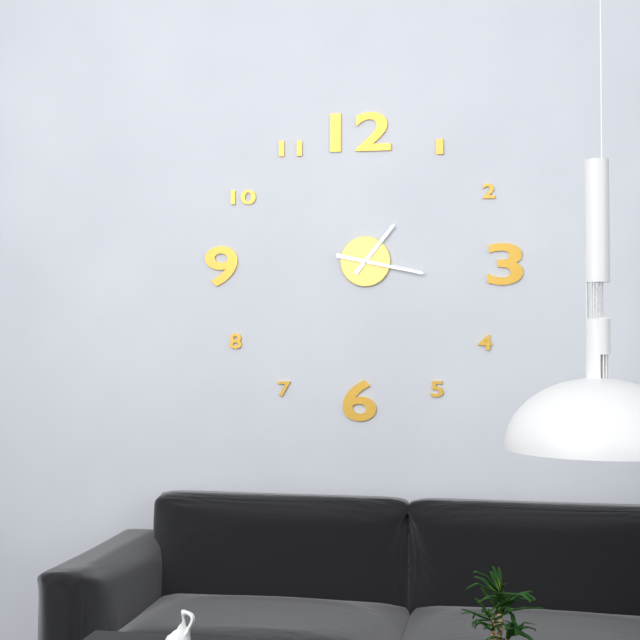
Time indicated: 1h17
